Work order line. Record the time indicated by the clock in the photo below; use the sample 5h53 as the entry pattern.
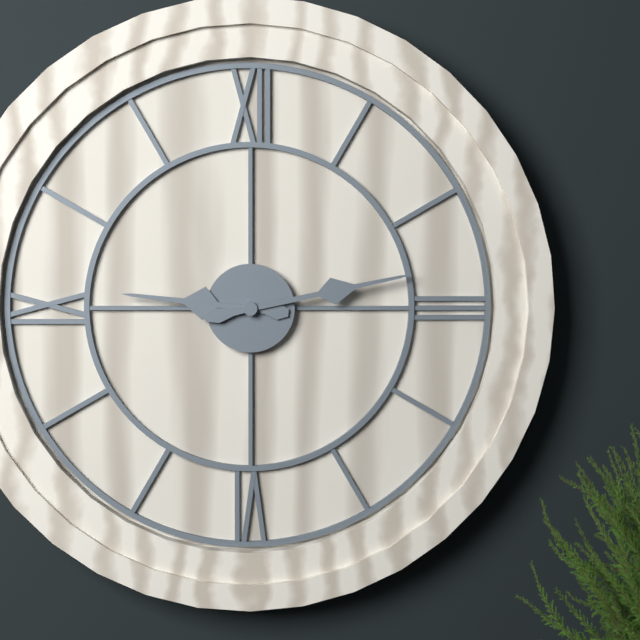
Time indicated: 9h13
